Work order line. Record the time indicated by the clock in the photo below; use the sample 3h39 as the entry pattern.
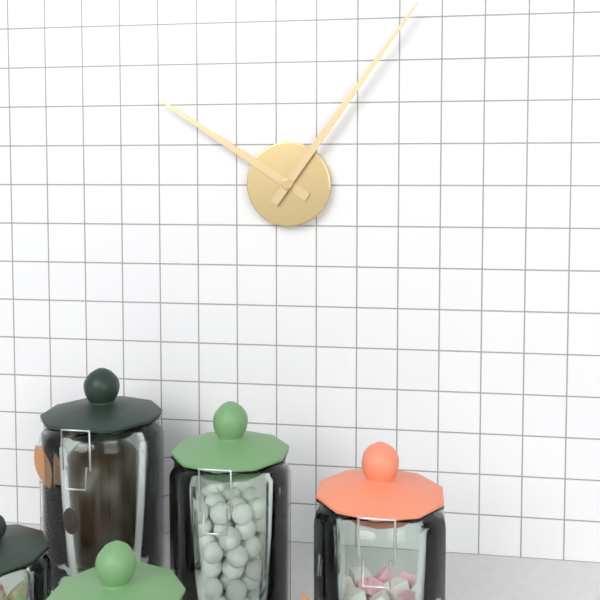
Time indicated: 10h06
